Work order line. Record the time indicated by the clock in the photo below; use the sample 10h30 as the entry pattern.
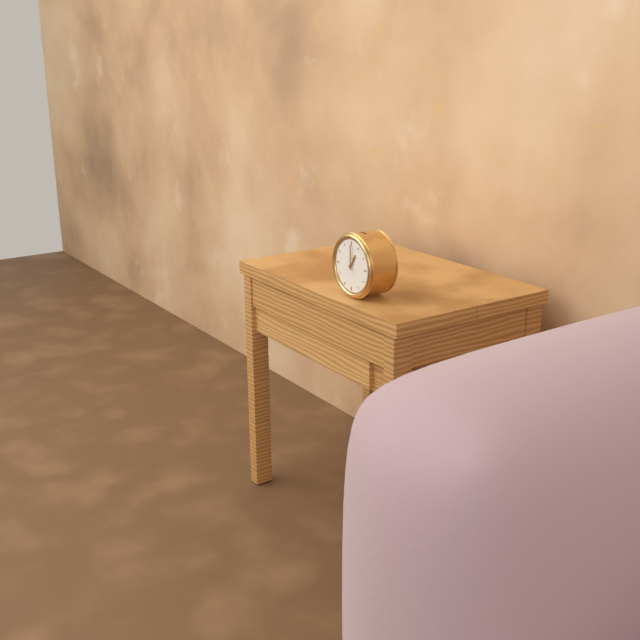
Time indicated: 1h00
